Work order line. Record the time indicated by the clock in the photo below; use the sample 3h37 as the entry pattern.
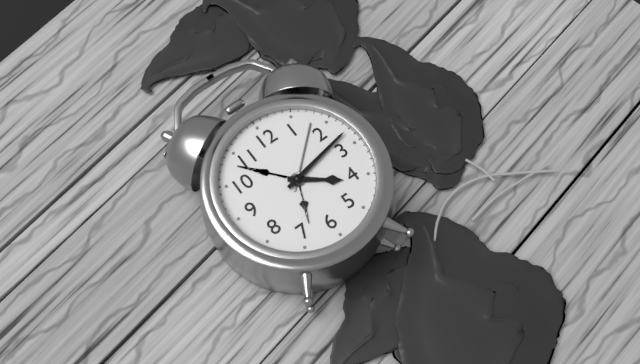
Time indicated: 4h13
